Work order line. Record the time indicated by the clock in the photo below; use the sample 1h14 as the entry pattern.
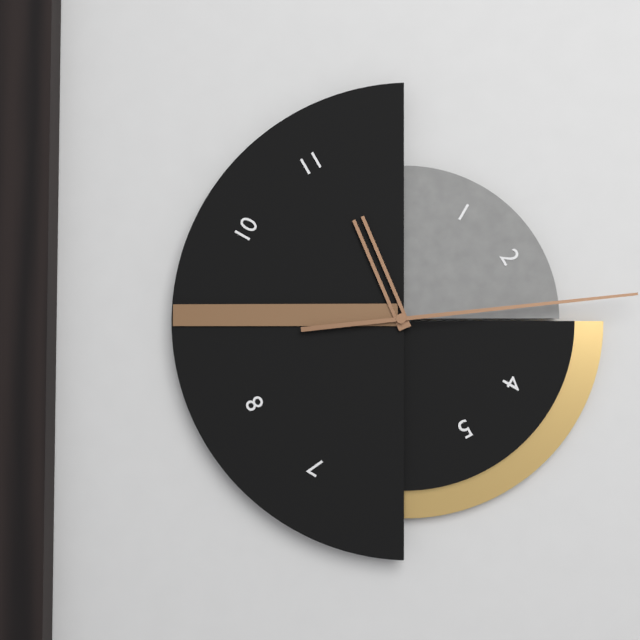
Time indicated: 11h14
